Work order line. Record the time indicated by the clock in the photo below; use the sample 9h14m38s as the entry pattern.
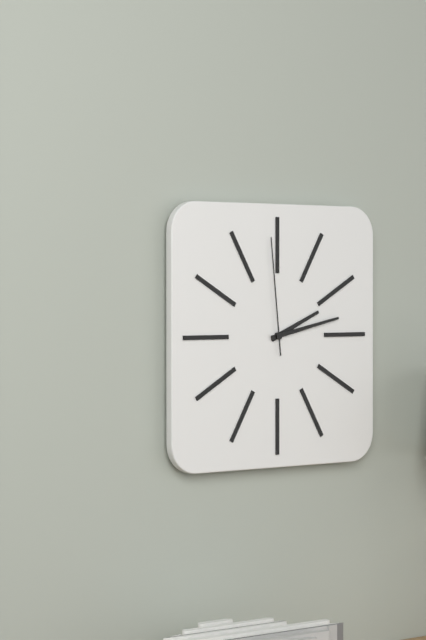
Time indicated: 2h13m59s
